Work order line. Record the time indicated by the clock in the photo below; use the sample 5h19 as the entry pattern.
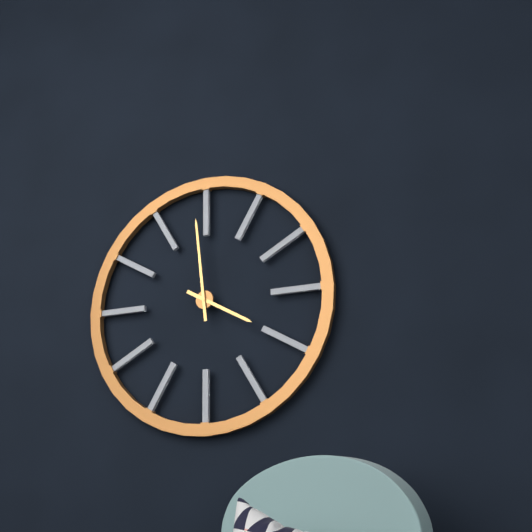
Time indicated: 3h59
